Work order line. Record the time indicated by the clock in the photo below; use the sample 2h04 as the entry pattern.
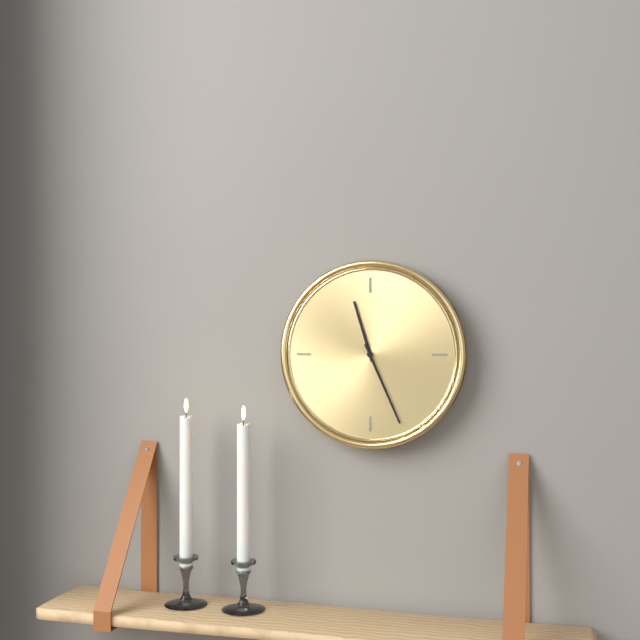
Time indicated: 11h26
